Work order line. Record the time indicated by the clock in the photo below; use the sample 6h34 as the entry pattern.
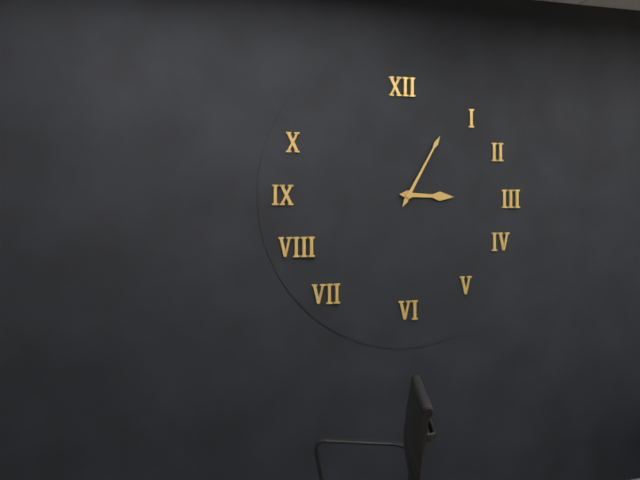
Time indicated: 3h05
